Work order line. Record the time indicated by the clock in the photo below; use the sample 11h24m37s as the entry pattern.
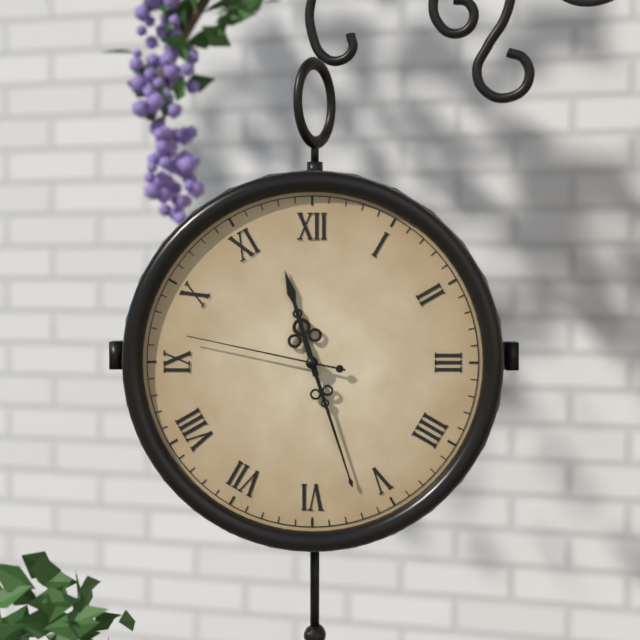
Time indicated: 11h27m47s
